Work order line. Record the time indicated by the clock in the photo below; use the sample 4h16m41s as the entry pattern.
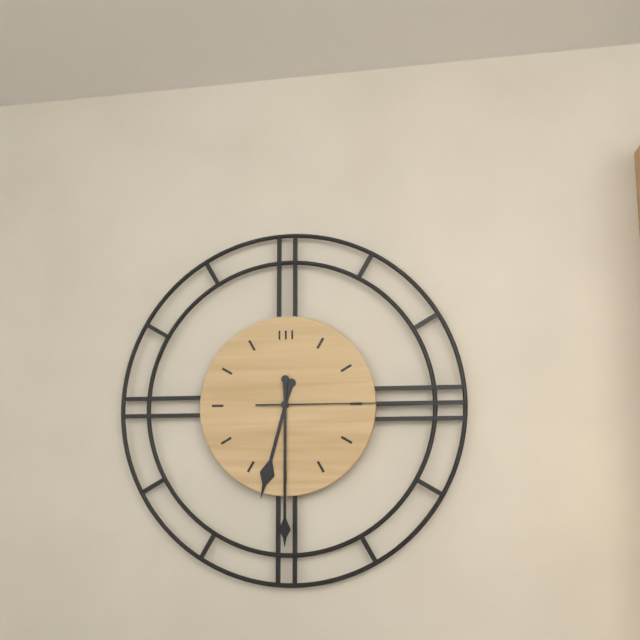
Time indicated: 6h30m15s
